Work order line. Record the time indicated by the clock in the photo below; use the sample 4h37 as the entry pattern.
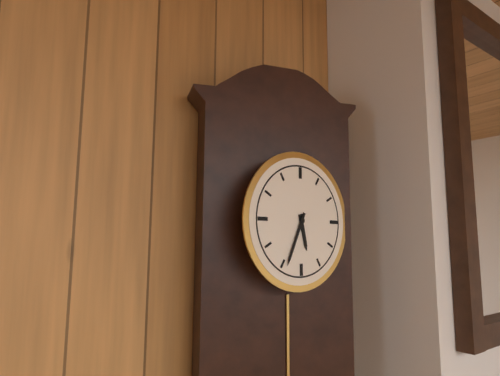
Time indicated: 5h34
